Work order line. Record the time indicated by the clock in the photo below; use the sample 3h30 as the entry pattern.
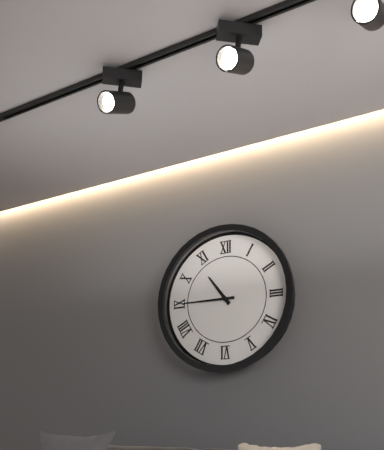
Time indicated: 10h45
